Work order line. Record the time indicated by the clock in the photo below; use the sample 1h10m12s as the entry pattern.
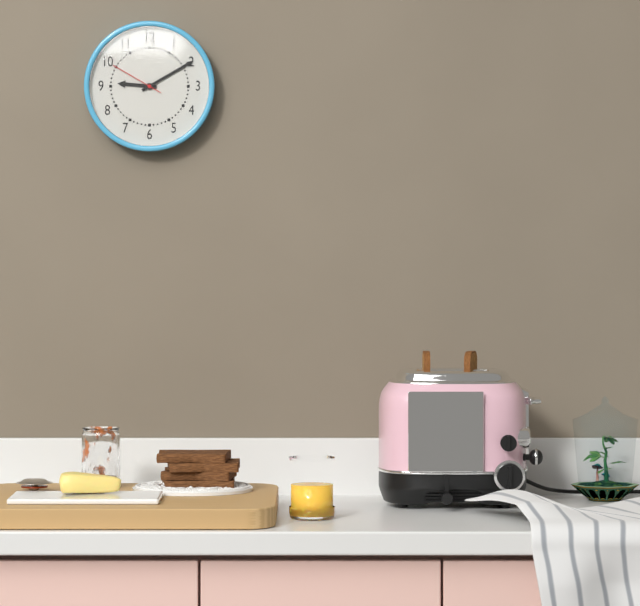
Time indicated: 9h10m50s
